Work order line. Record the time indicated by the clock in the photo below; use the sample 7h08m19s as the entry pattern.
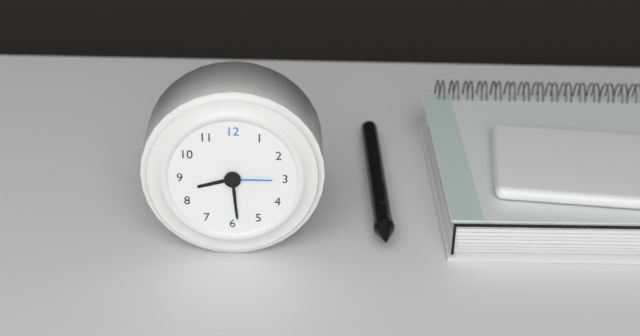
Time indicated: 8h29m15s
